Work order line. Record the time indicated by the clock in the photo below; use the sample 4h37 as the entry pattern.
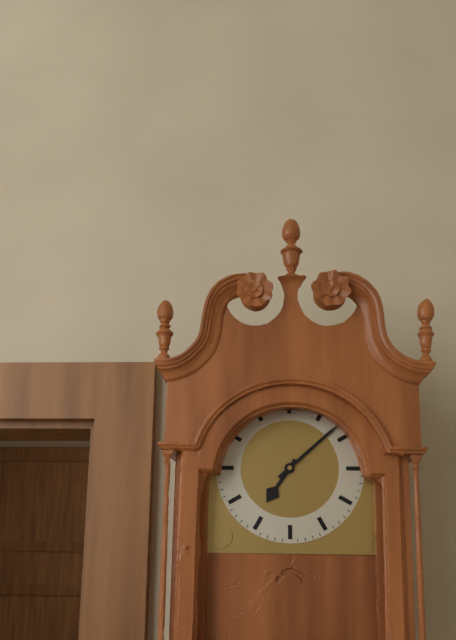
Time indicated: 7h08
